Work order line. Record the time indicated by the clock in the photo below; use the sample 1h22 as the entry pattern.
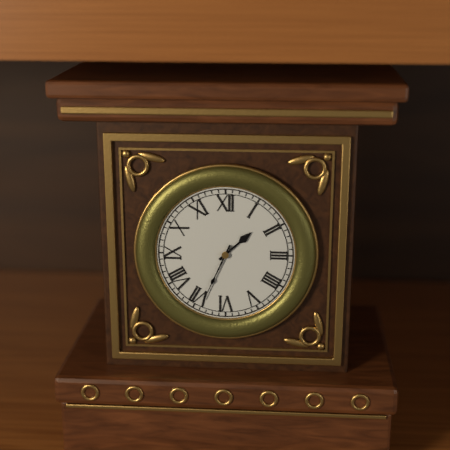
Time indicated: 1h34
